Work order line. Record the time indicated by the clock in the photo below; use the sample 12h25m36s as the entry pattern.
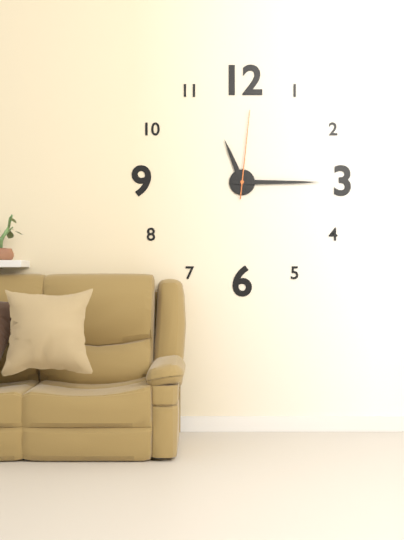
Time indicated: 11h15m01s
